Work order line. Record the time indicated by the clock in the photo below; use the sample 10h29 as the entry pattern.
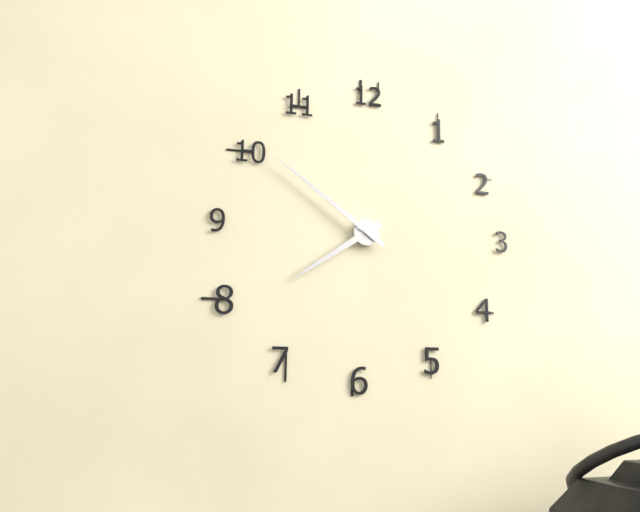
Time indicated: 7h51
